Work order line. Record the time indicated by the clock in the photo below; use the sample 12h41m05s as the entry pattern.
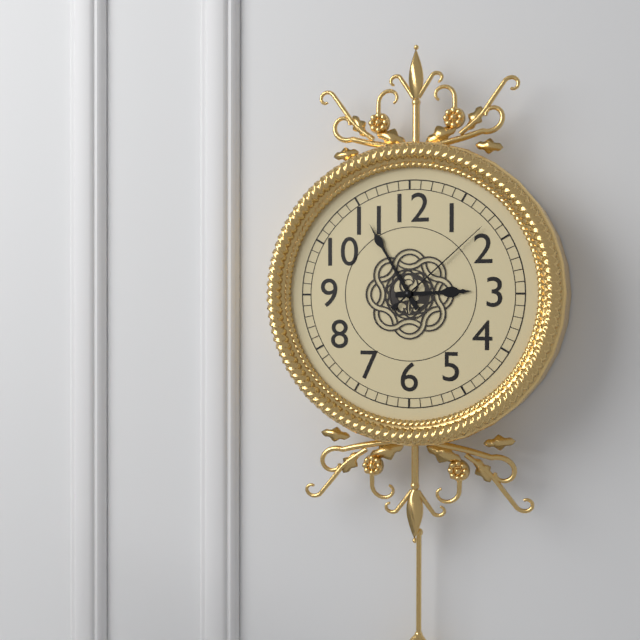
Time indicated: 2h55m08s
